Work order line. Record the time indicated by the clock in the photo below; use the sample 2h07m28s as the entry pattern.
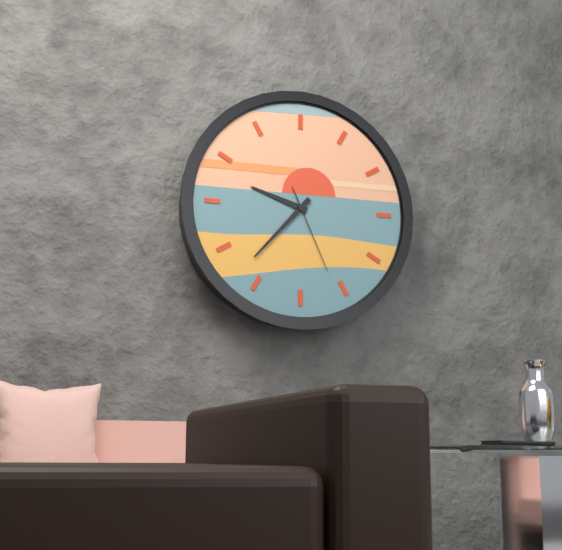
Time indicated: 9h37m26s
